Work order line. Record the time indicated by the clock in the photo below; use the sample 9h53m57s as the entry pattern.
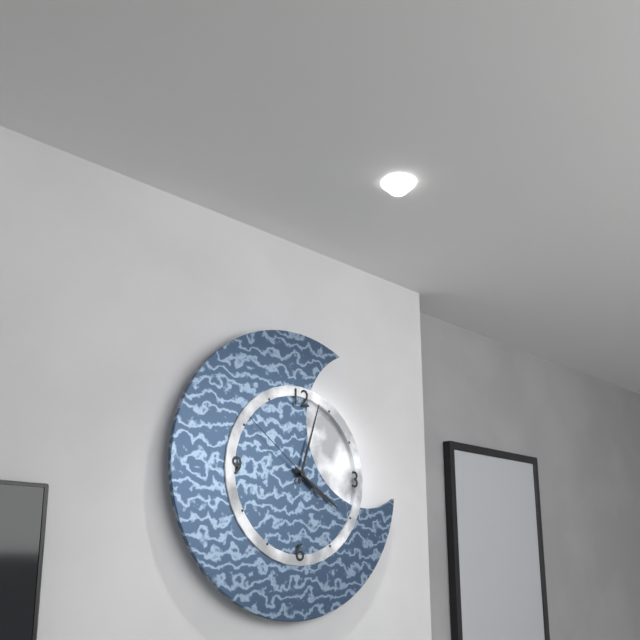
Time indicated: 4h03m51s
